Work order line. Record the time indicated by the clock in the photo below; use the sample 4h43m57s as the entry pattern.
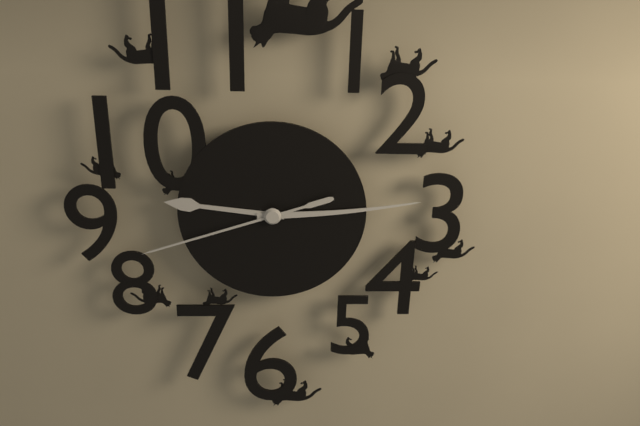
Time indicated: 9h14m42s
